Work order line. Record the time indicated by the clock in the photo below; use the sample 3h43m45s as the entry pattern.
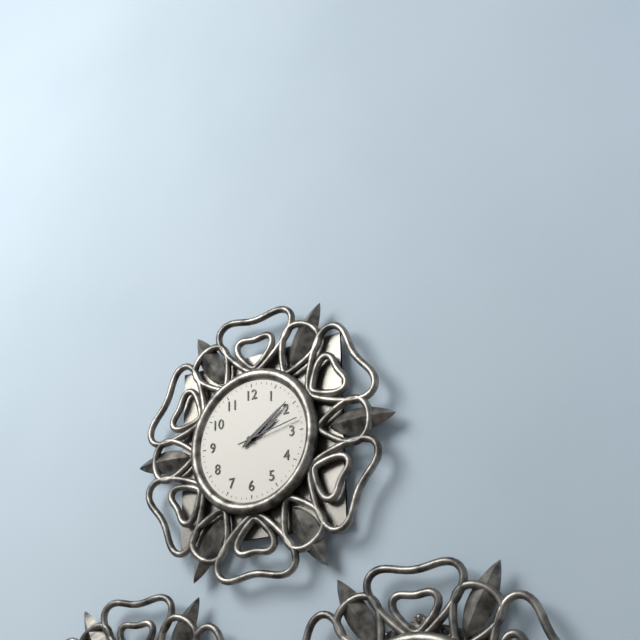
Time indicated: 2h09m13s
